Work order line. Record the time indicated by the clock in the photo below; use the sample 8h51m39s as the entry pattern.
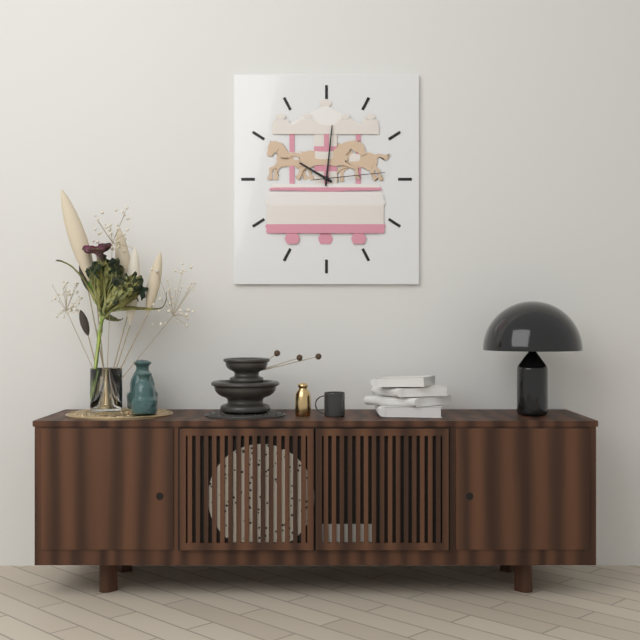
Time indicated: 10h01m14s
